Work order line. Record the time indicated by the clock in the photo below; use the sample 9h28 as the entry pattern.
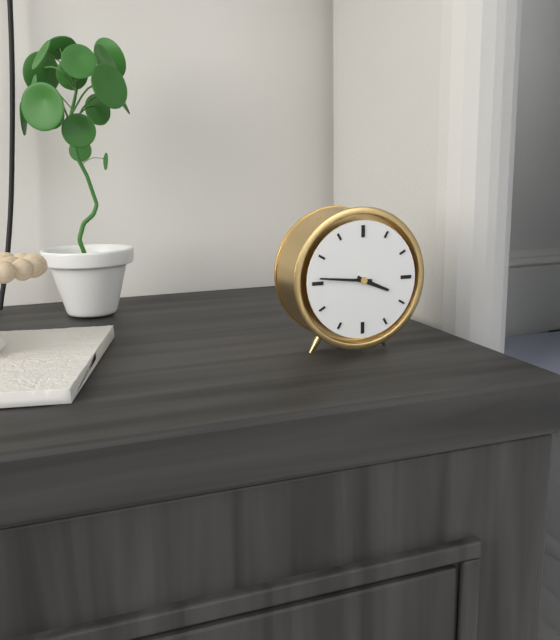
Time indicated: 3h46
